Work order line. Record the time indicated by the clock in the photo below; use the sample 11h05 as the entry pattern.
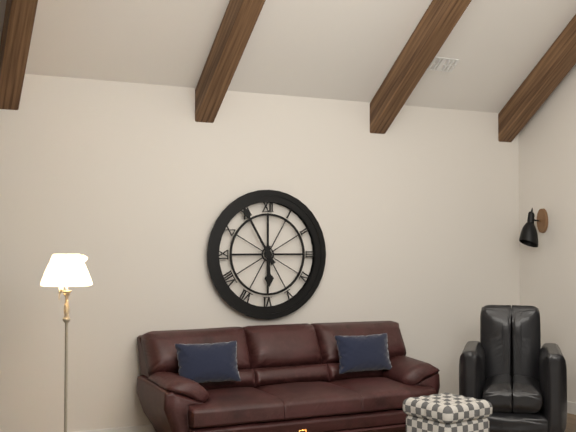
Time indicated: 5h55
